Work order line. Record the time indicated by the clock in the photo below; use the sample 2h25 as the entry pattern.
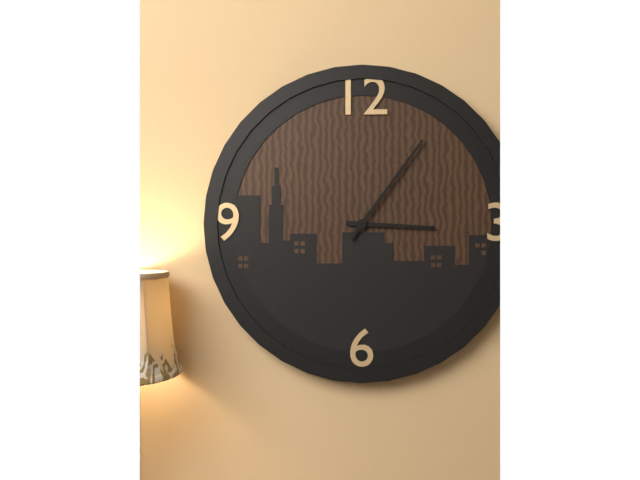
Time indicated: 3h06
